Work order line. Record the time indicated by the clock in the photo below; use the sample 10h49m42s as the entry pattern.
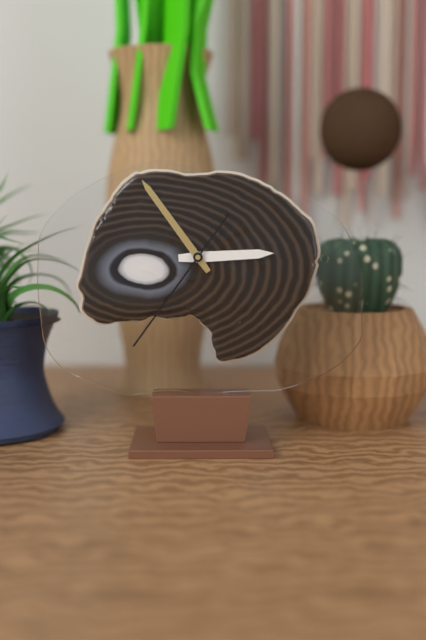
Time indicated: 2h54m36s
